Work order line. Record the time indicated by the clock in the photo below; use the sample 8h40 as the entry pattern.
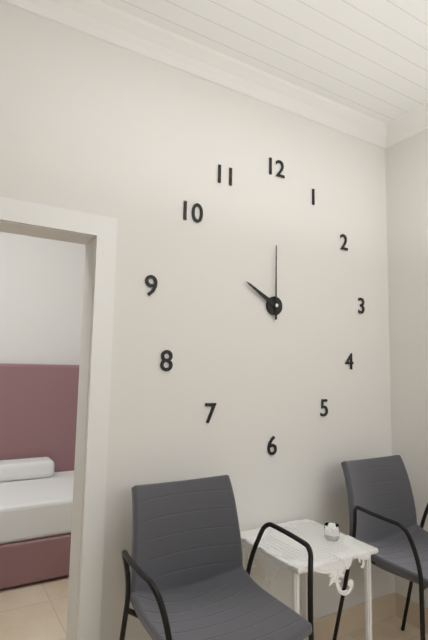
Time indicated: 10h00
